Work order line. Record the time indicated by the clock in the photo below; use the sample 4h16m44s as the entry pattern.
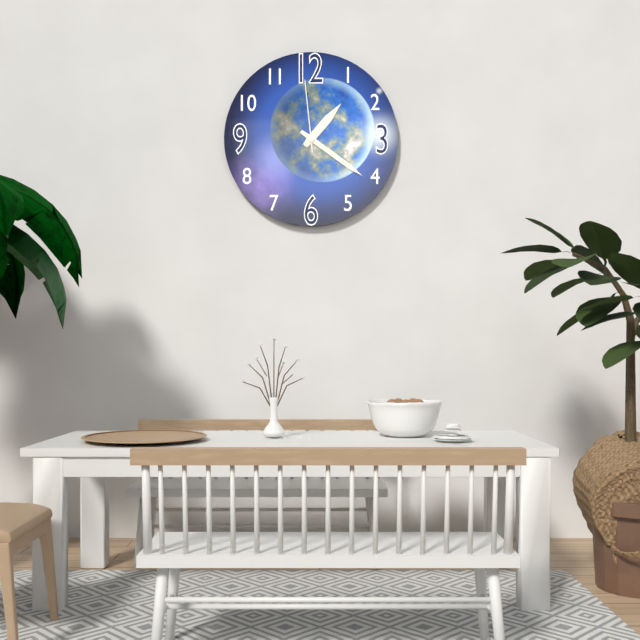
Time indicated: 1h21m59s
